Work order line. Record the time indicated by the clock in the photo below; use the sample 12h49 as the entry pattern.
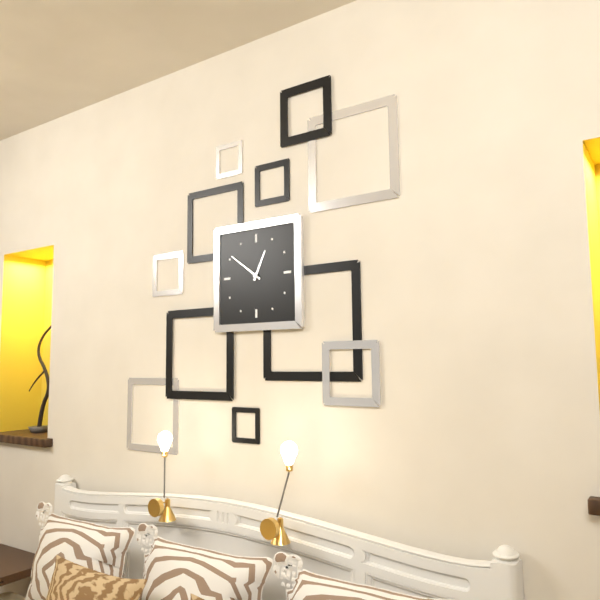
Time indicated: 12h51
